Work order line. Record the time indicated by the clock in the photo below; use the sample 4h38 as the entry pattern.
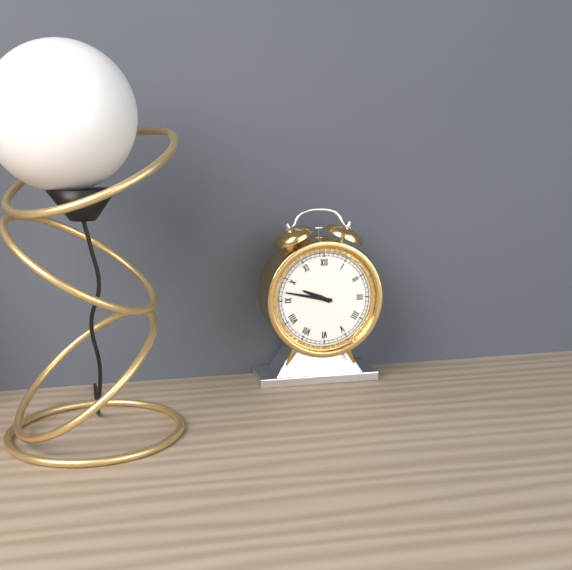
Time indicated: 9h47
